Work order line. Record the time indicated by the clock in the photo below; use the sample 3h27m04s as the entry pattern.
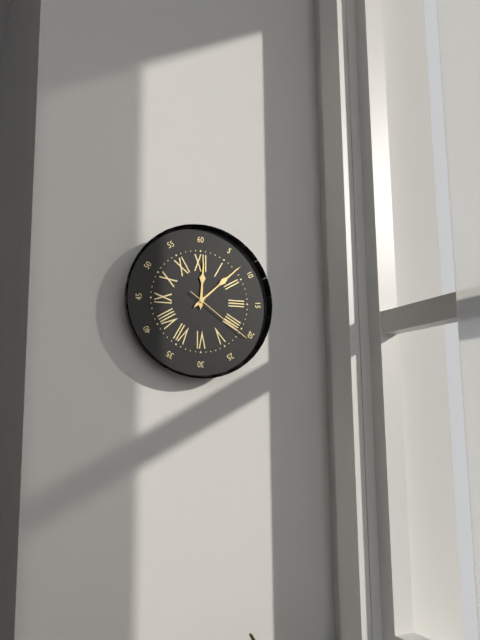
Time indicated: 12h08m21s
